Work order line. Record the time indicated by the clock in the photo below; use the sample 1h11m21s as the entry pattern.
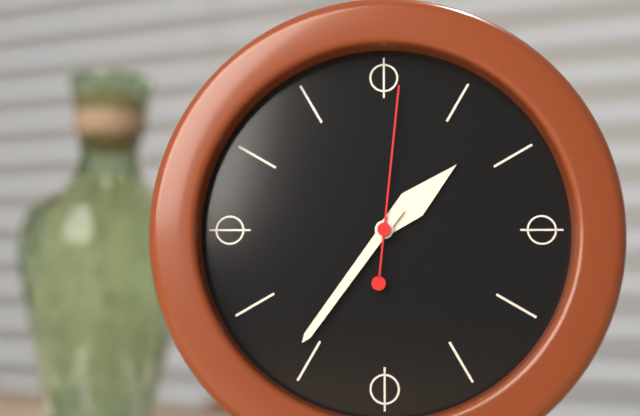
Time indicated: 1h36m01s
